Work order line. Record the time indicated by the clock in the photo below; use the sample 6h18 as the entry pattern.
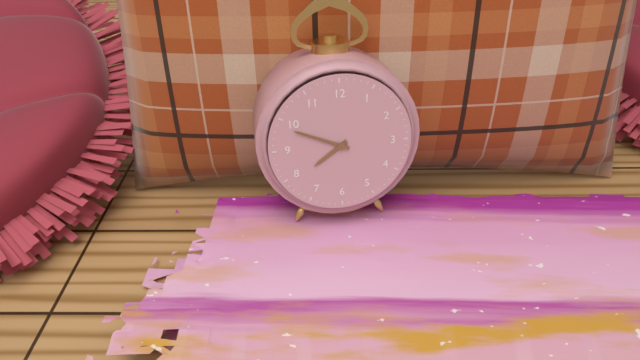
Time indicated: 7h49
